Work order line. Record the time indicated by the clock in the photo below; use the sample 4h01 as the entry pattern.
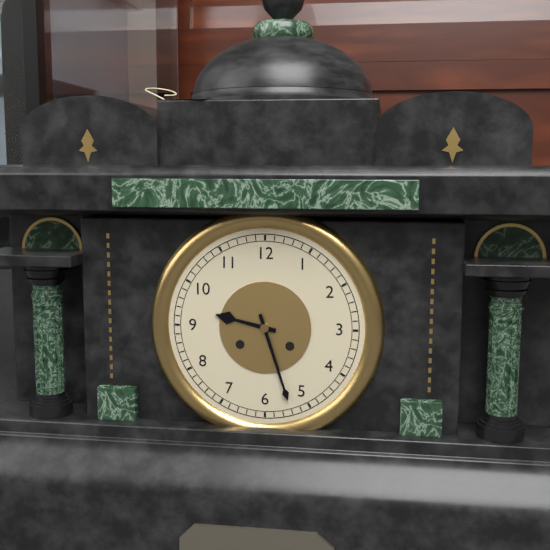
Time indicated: 9h27
